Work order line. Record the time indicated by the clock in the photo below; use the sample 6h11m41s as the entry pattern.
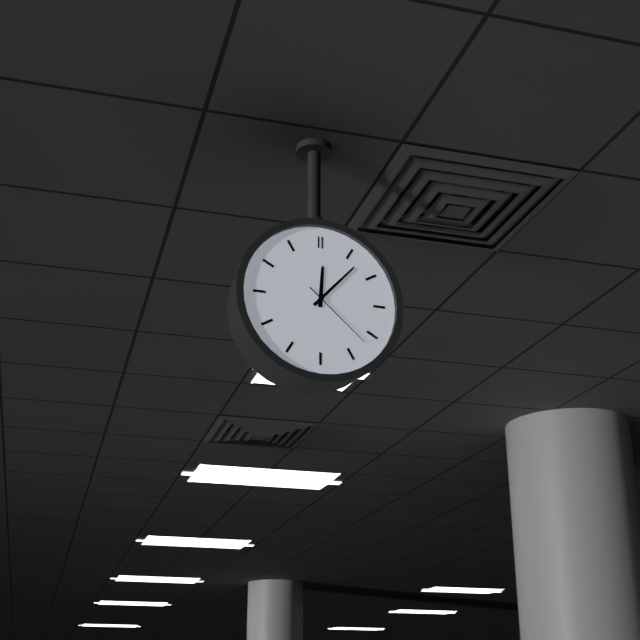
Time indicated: 12h07m22s
